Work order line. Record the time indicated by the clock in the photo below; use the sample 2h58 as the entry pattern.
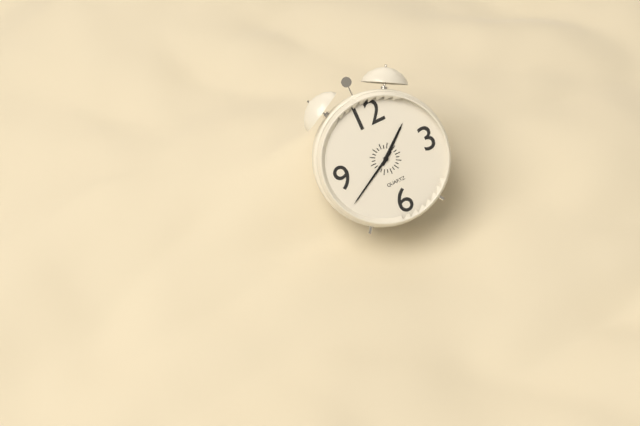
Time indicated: 1h40
